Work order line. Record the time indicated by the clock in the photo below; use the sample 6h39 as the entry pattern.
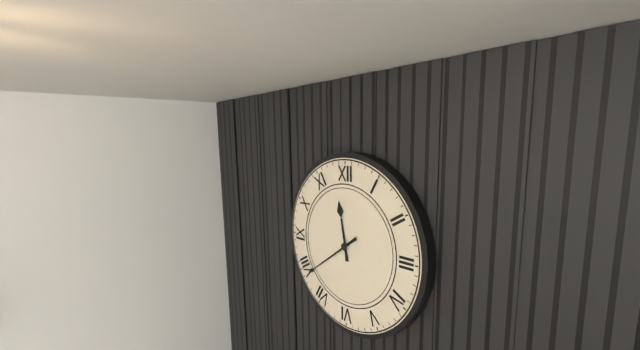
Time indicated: 11h39
